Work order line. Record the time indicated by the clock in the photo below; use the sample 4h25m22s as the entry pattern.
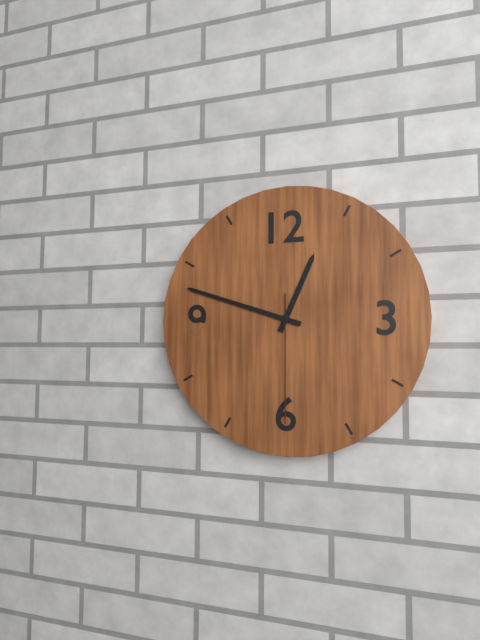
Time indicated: 12h48m30s
